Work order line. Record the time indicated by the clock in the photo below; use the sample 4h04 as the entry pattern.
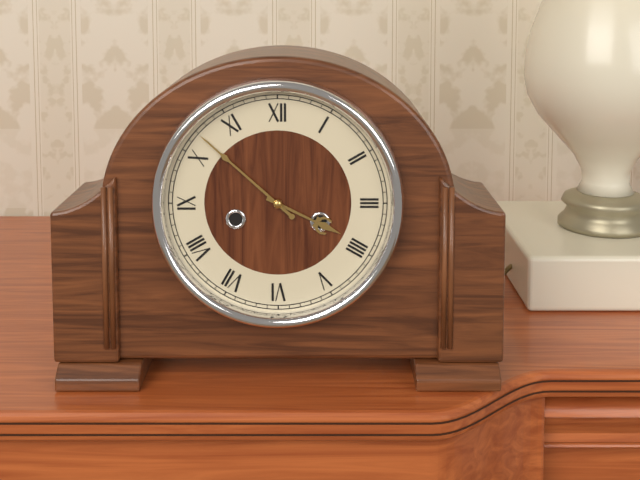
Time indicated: 3h52
